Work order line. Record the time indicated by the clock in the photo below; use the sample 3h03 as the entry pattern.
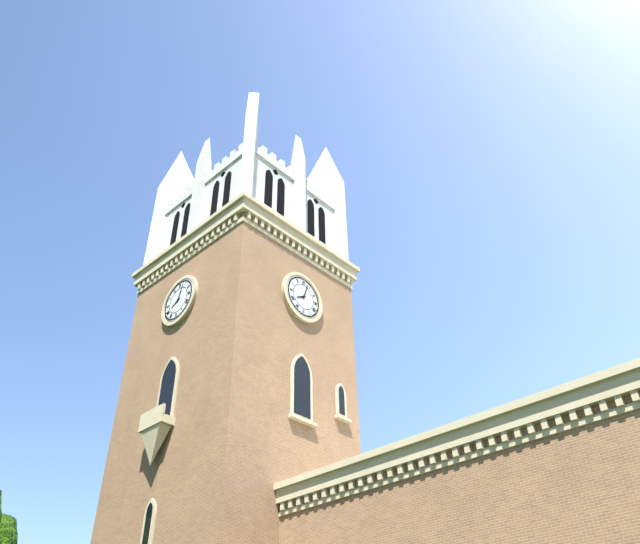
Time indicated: 8h03
